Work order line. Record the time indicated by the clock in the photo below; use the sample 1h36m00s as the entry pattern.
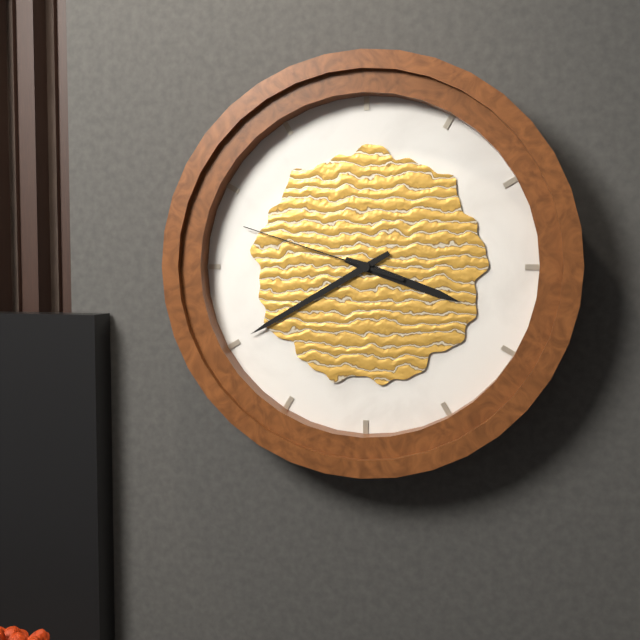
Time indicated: 3h40m48s
